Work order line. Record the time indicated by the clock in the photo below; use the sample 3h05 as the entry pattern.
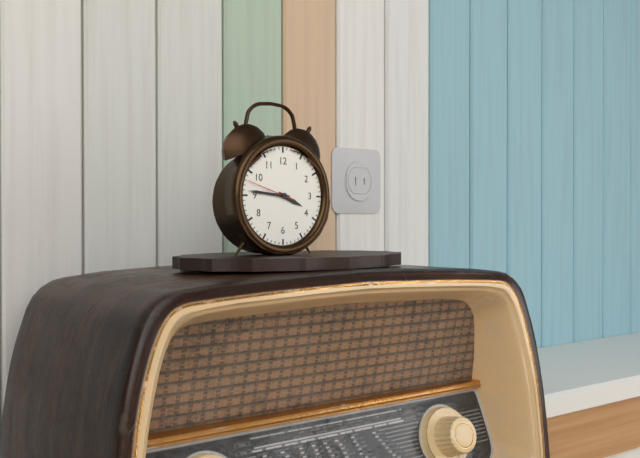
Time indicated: 3h46
